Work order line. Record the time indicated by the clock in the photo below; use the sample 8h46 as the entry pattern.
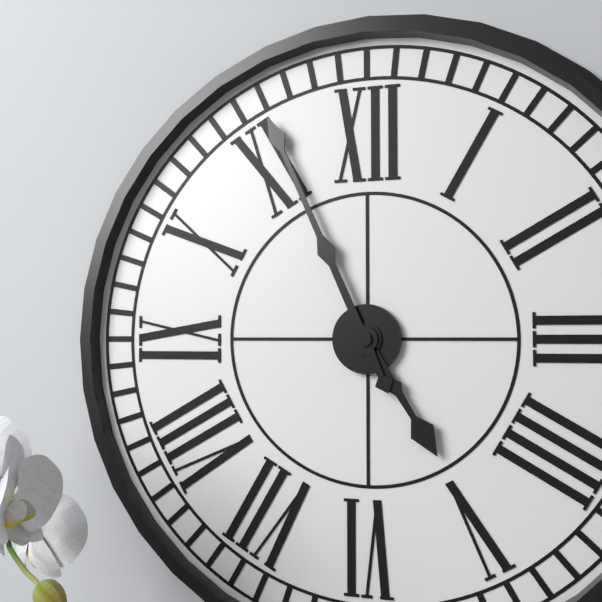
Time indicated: 4h56
